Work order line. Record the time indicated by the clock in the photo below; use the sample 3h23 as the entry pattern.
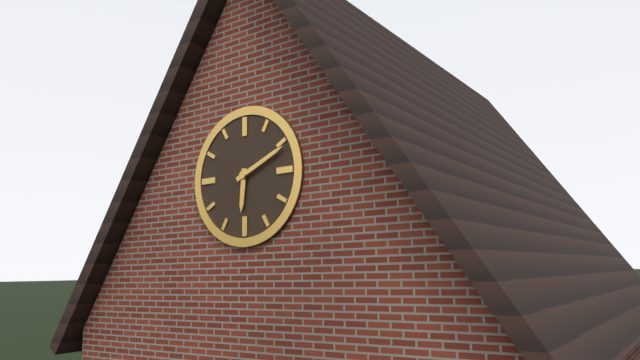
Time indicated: 6h11
